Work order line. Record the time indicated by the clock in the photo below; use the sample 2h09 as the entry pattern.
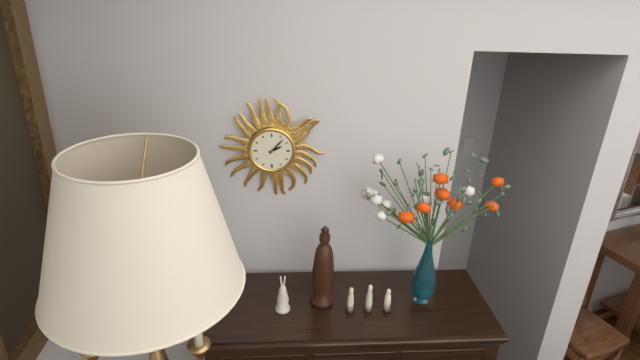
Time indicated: 2h07
